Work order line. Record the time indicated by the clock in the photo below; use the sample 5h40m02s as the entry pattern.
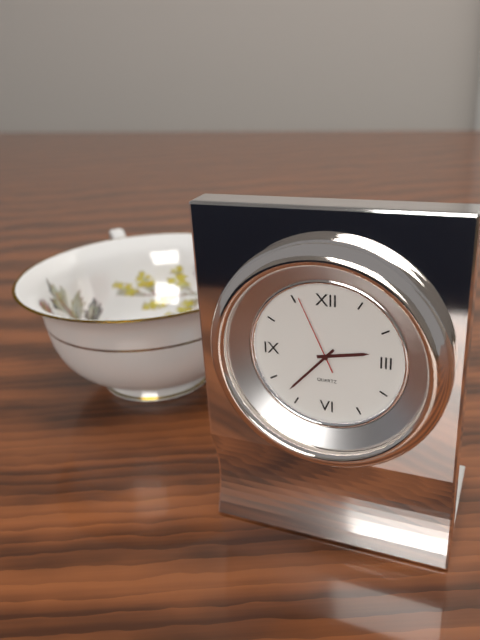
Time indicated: 2h37m56s
